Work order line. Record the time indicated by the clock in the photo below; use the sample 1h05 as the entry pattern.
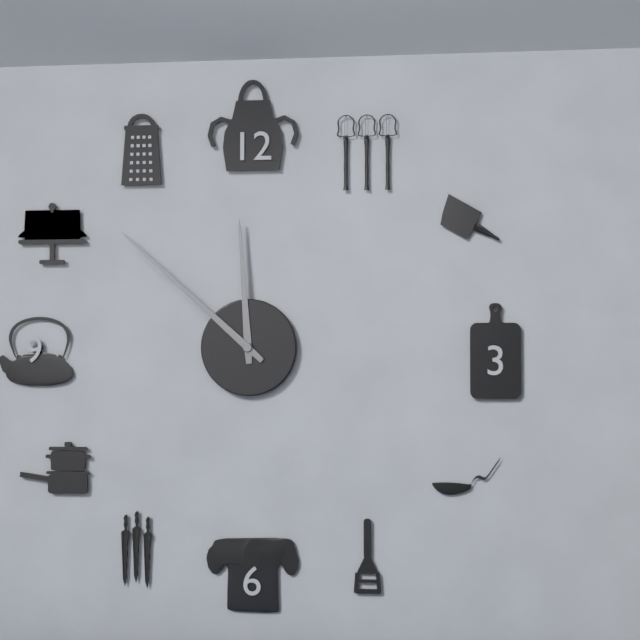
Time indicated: 11h52
